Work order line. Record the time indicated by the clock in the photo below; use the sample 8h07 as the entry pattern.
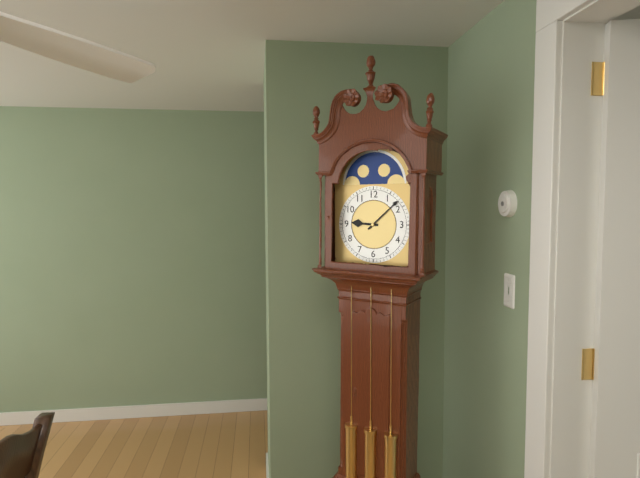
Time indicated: 9h08
